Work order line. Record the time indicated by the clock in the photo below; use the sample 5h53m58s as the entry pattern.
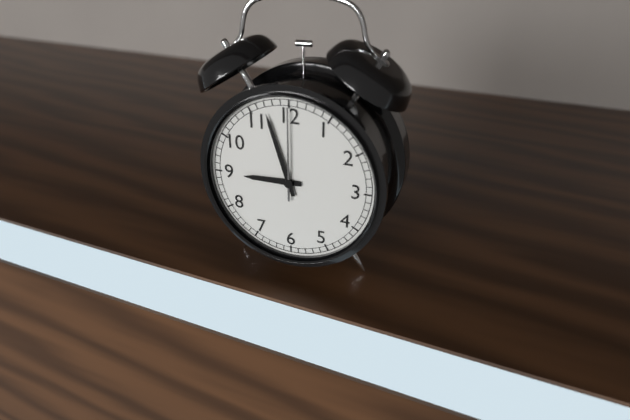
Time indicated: 8h57m00s
